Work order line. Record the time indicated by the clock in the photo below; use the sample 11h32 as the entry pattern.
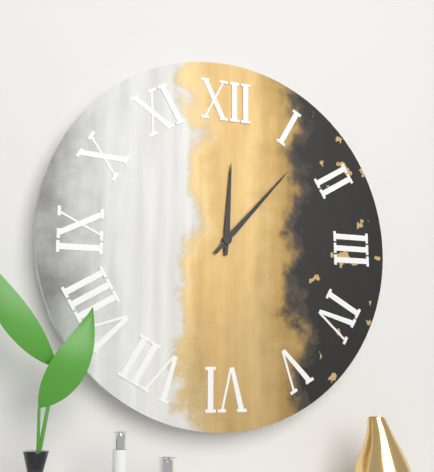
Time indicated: 12h07
